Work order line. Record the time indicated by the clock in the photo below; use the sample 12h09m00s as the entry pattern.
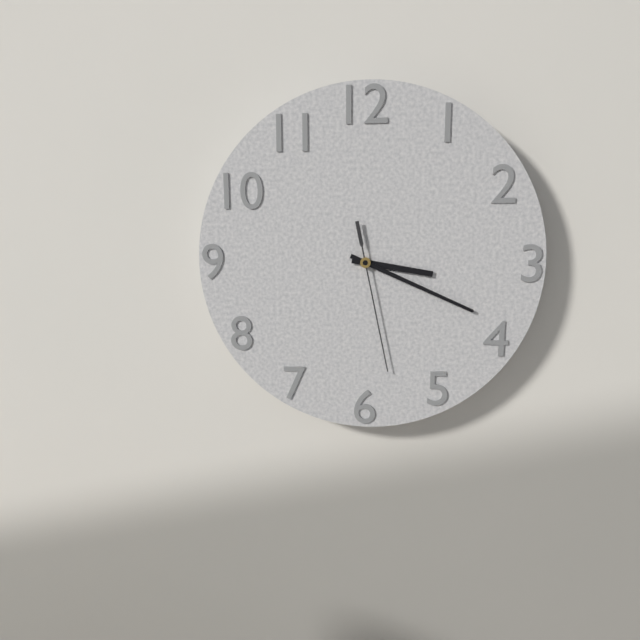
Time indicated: 3h19m28s
